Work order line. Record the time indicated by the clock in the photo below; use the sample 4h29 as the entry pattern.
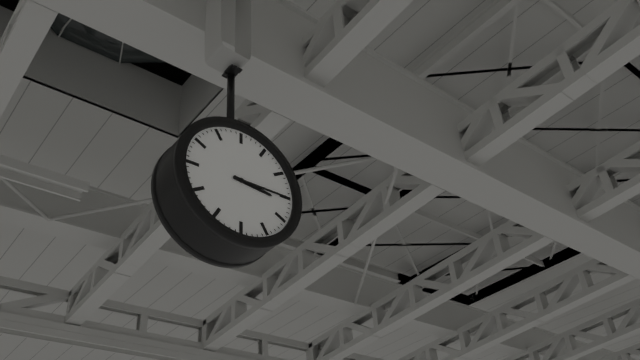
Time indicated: 3h15
